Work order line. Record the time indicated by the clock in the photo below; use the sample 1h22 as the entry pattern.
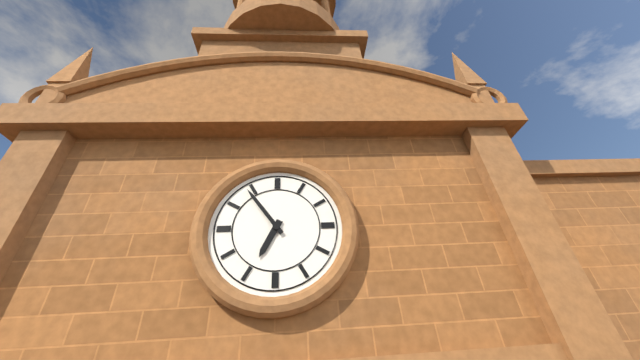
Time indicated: 6h54
